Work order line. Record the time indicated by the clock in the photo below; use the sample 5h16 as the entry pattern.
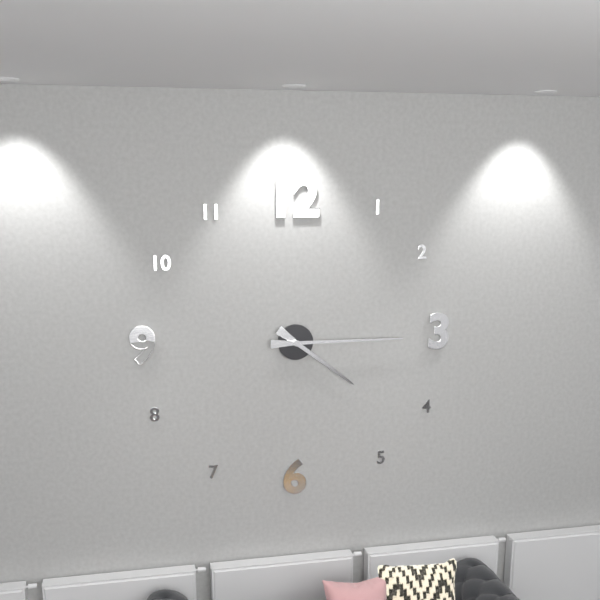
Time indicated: 4h15
